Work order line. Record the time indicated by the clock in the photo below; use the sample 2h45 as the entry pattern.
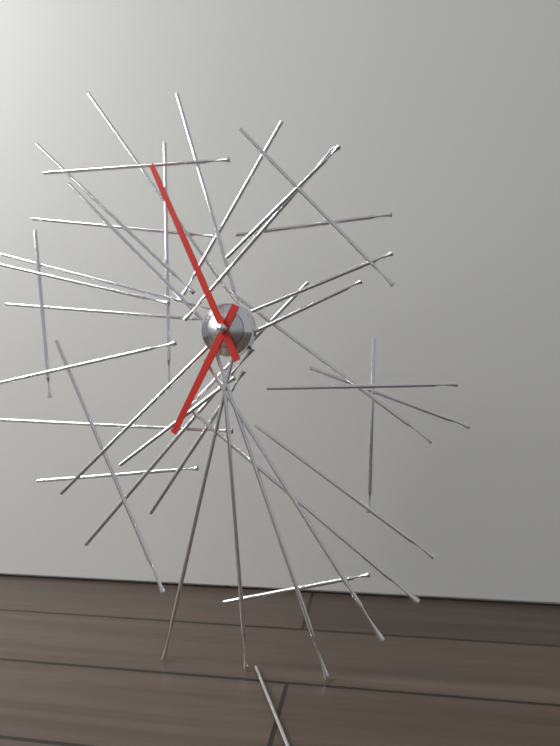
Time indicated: 6h56
